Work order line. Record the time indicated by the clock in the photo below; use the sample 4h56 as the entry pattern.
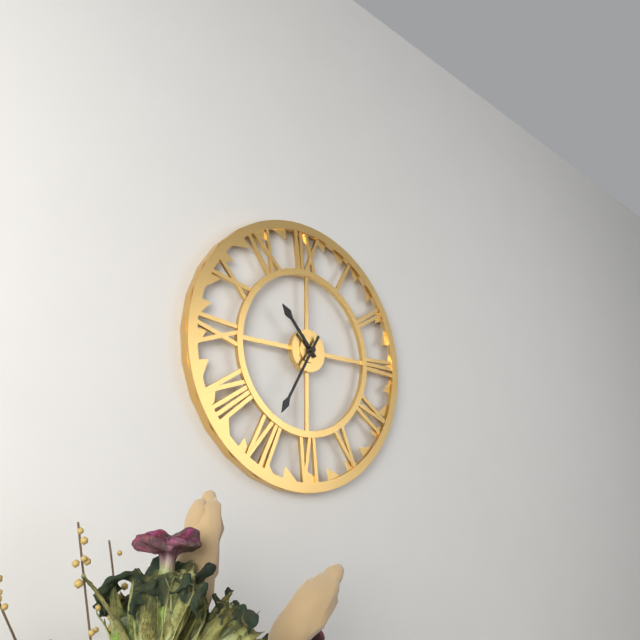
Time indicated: 10h35
